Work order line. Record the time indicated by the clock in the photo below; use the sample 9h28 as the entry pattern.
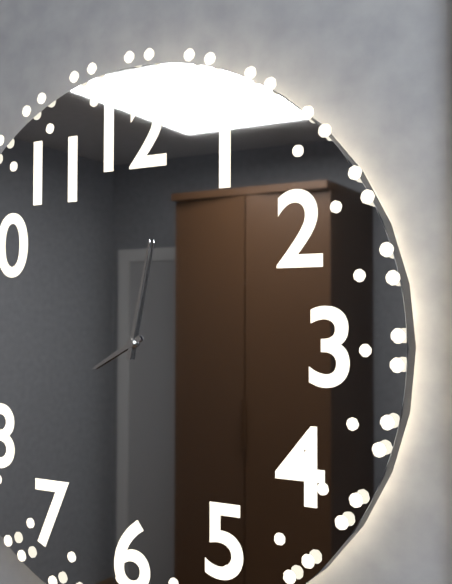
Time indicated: 8h02
